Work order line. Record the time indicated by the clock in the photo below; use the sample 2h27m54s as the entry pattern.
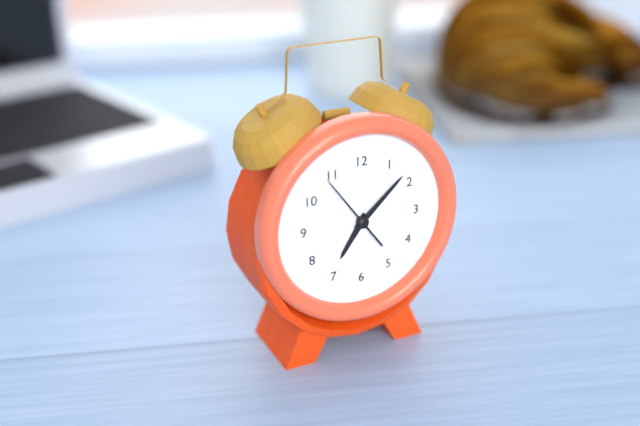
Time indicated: 7h08m54s
